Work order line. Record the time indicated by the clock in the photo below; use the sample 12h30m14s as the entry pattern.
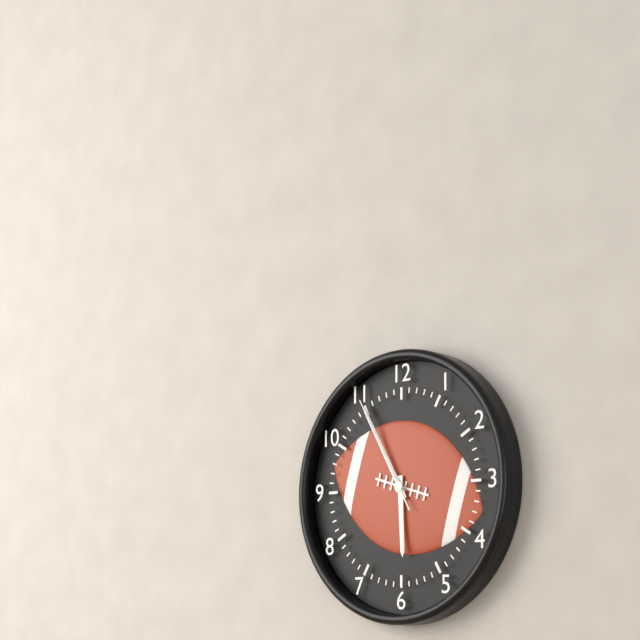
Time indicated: 5h55m55s
